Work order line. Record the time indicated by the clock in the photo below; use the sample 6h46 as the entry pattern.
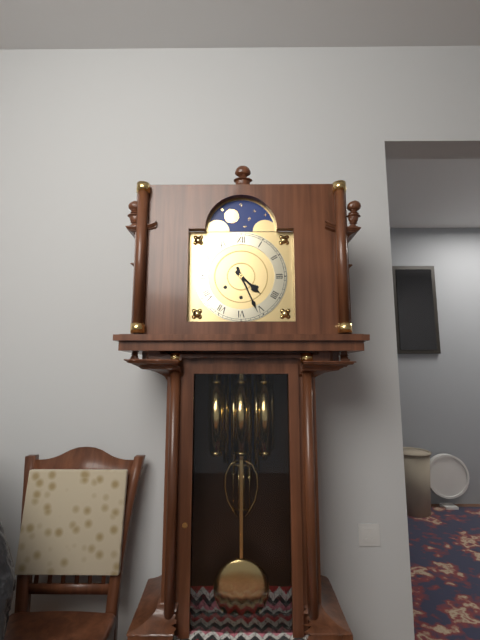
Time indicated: 4h26
